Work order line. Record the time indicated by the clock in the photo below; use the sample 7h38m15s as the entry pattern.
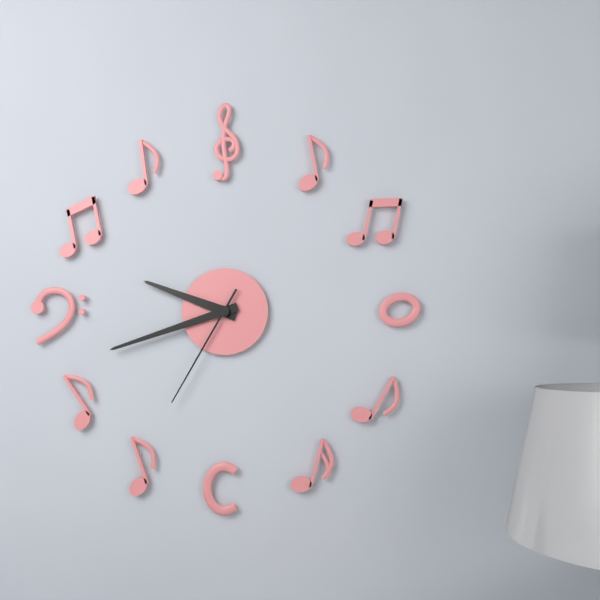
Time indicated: 9h42m35s
